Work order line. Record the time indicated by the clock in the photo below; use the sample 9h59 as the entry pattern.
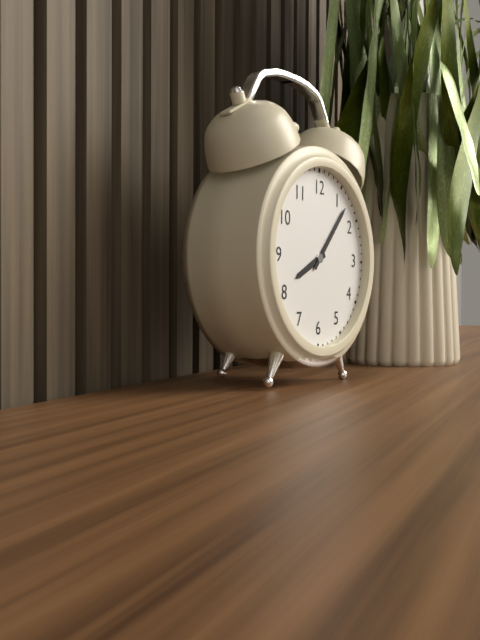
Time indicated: 8h07
